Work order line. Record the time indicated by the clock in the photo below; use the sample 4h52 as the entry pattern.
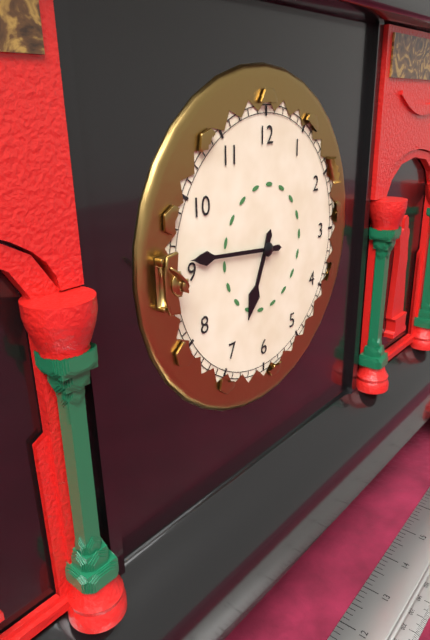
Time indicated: 6h46
